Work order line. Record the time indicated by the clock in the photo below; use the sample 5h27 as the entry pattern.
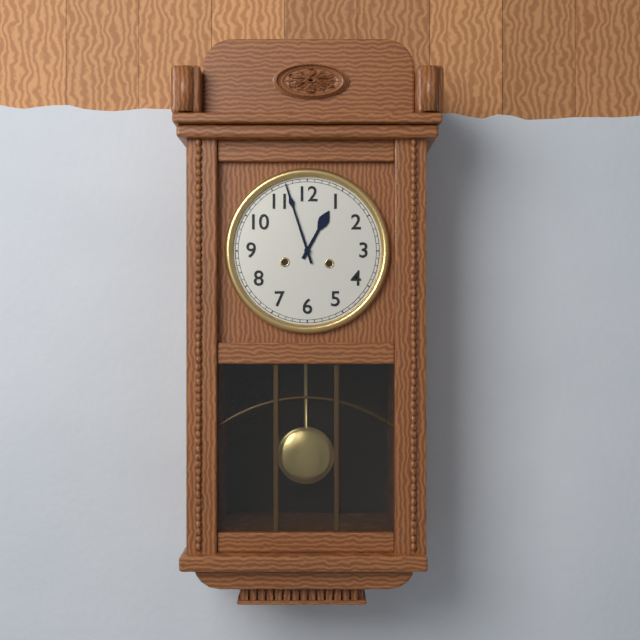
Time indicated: 12h57
